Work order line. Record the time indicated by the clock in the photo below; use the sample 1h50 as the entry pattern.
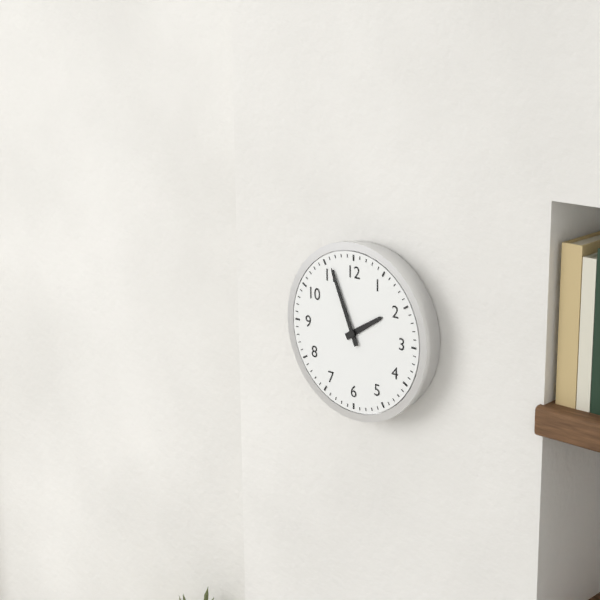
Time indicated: 1h56
